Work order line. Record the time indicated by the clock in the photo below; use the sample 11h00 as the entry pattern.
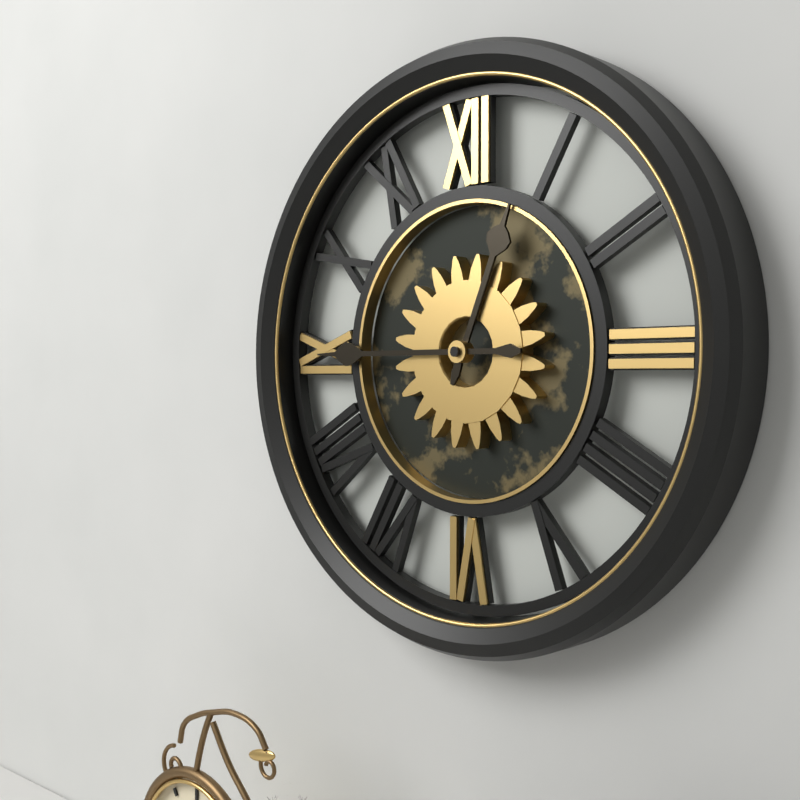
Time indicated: 12h45
